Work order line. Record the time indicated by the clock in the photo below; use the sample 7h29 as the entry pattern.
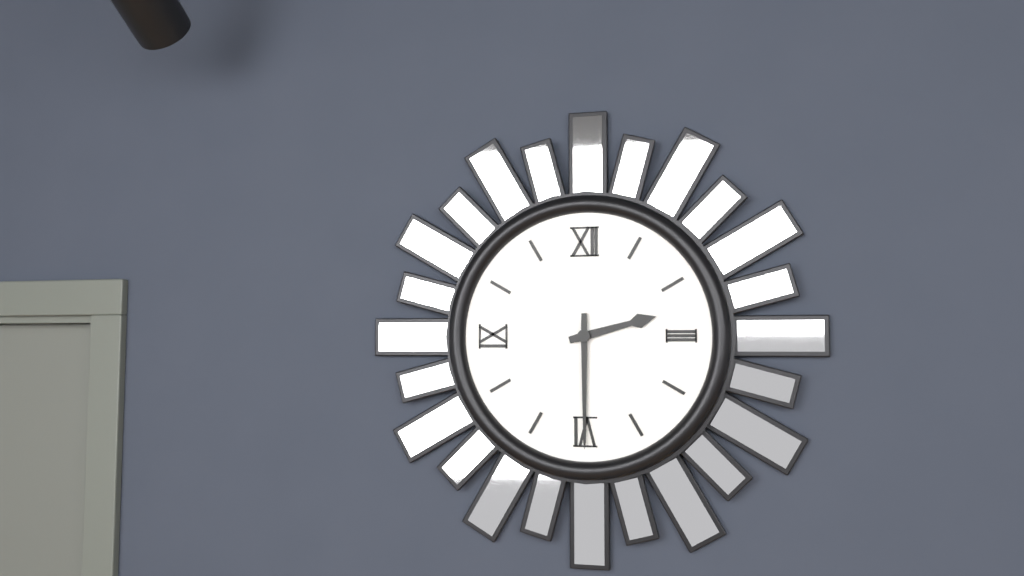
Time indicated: 2h30
